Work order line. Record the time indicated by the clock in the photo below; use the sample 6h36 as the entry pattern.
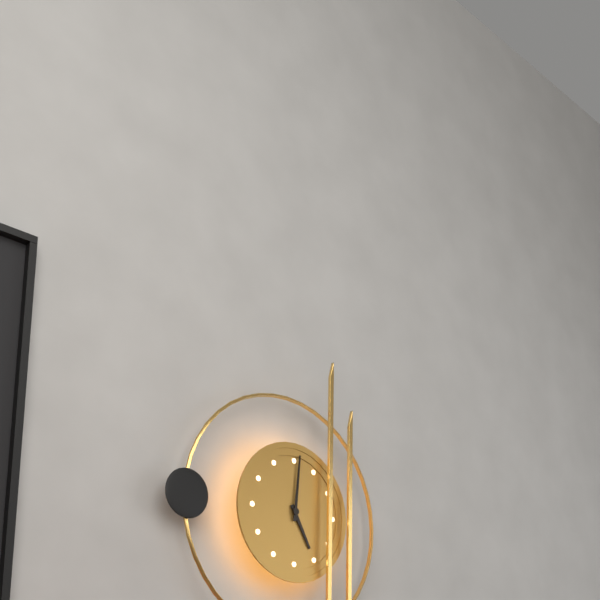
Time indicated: 5h01
